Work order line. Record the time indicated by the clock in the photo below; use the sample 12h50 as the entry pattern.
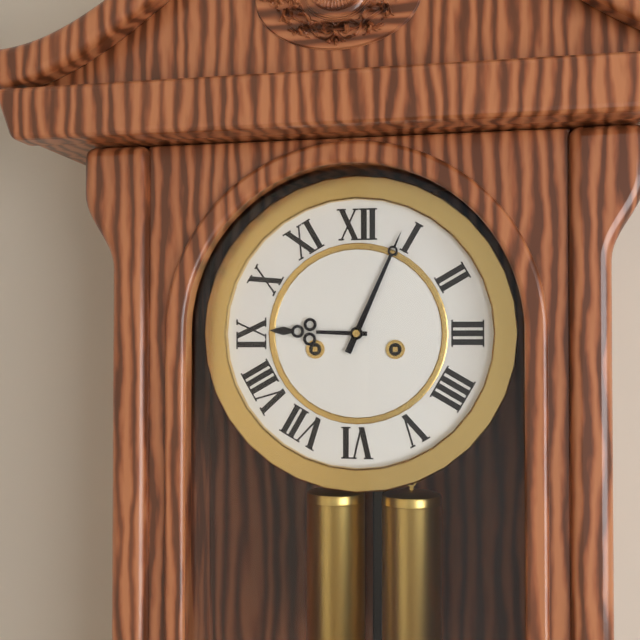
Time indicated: 9h04
